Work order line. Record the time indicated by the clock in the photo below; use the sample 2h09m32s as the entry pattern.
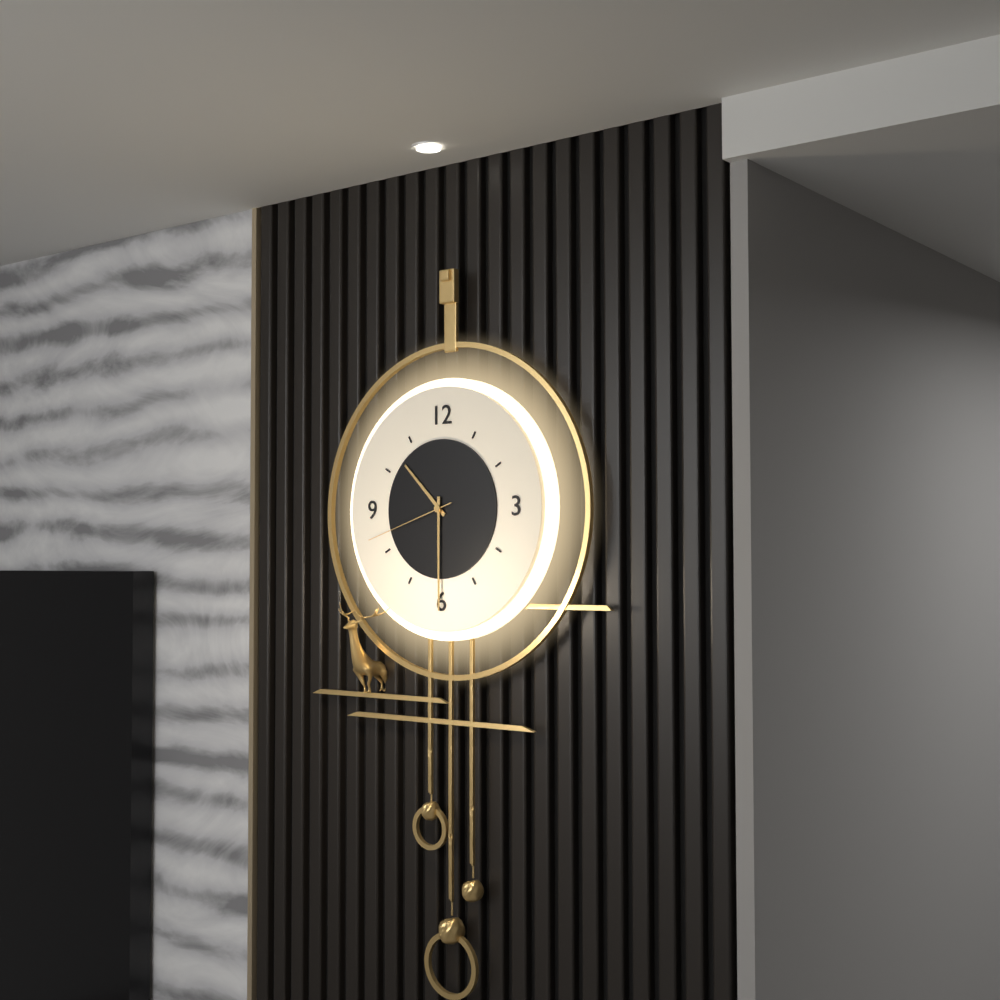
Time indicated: 10h30m42s
